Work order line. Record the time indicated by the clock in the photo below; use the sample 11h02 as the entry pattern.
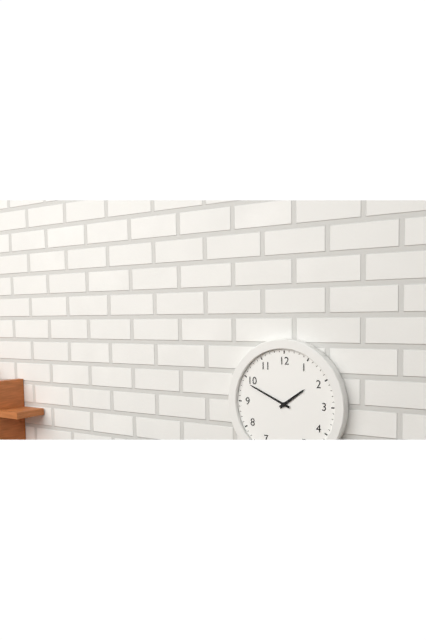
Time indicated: 1h49
